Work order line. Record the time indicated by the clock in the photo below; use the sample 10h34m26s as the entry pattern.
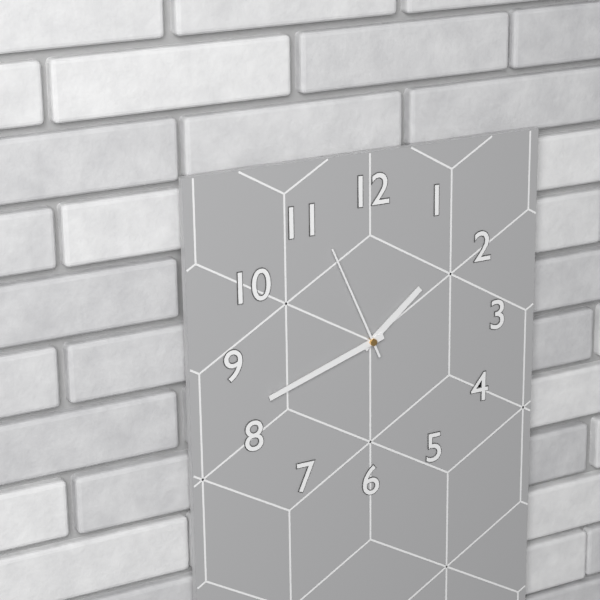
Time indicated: 1h42m56s
